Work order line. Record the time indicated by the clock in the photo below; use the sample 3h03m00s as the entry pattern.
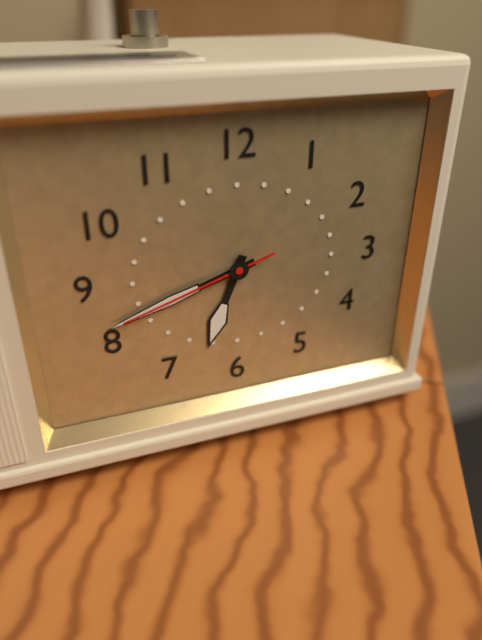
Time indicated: 6h42m42s
